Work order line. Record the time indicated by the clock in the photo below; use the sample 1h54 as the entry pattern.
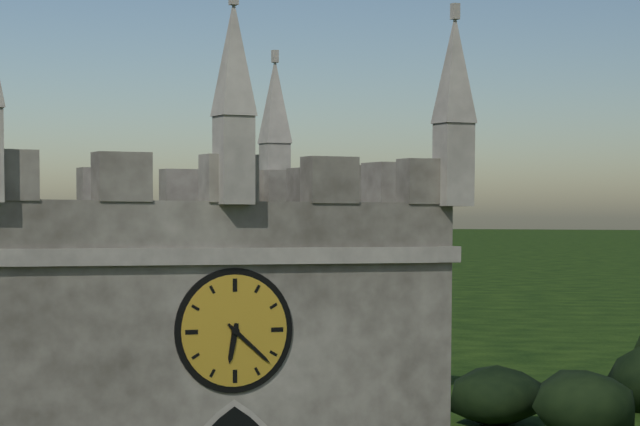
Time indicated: 6h22
